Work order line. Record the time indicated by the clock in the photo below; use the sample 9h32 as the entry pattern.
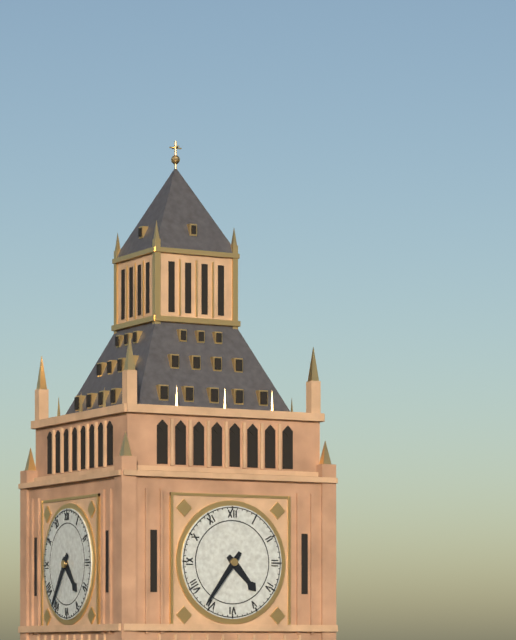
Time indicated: 4h36
